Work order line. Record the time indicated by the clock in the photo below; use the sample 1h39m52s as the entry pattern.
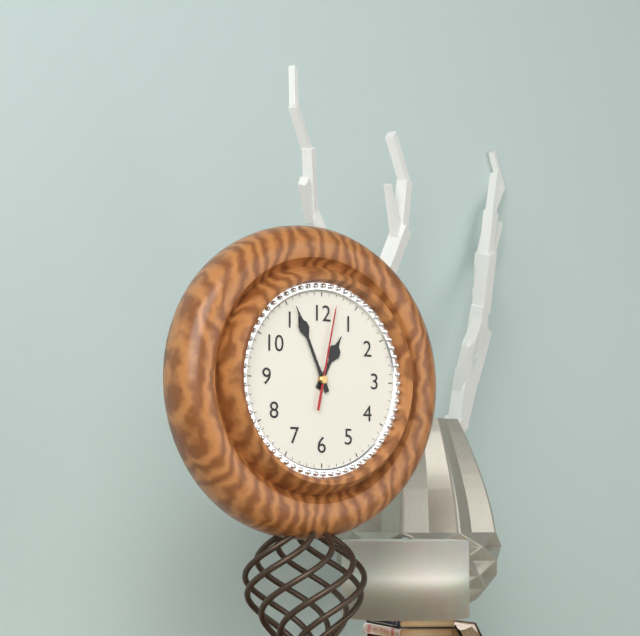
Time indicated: 12h56m02s
